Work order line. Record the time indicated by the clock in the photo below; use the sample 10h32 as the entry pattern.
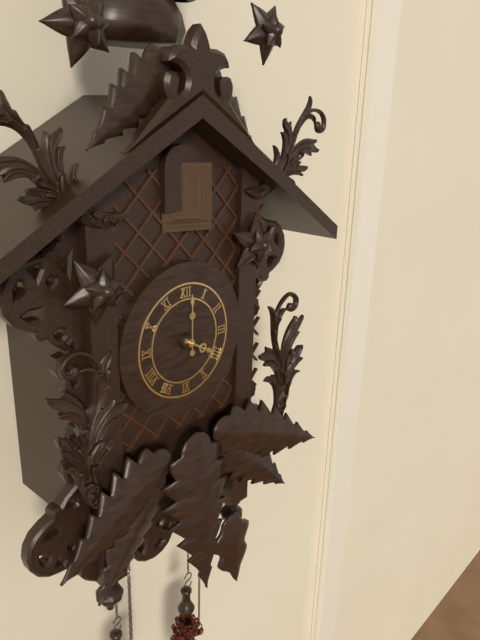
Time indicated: 4h00
